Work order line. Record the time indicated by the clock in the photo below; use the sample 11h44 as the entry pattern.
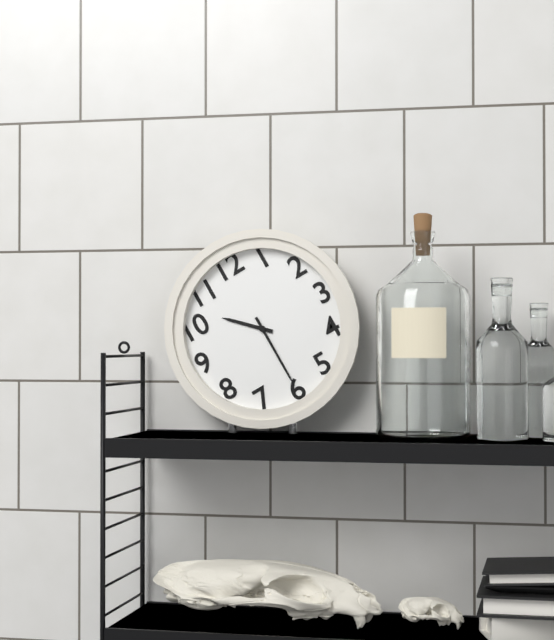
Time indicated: 10h30
